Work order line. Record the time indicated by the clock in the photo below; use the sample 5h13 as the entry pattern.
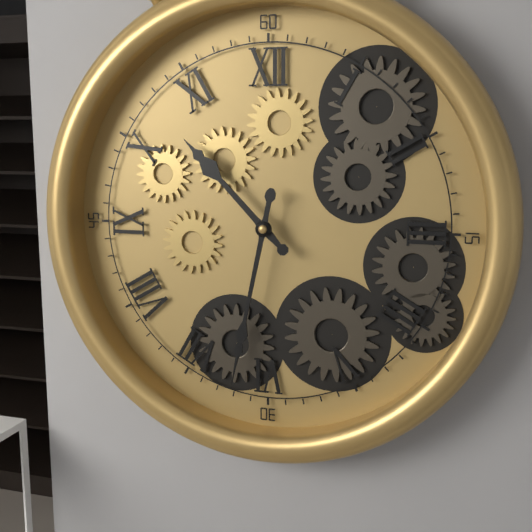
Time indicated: 10h32
